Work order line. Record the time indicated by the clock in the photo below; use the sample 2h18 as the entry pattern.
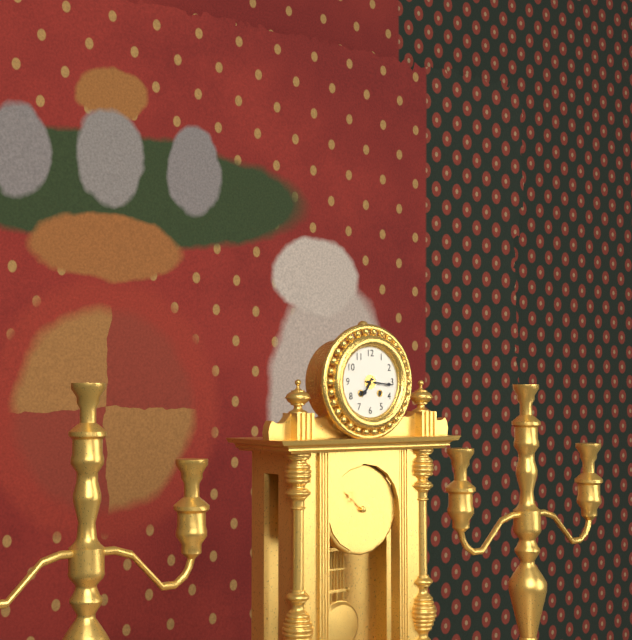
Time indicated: 7h16
